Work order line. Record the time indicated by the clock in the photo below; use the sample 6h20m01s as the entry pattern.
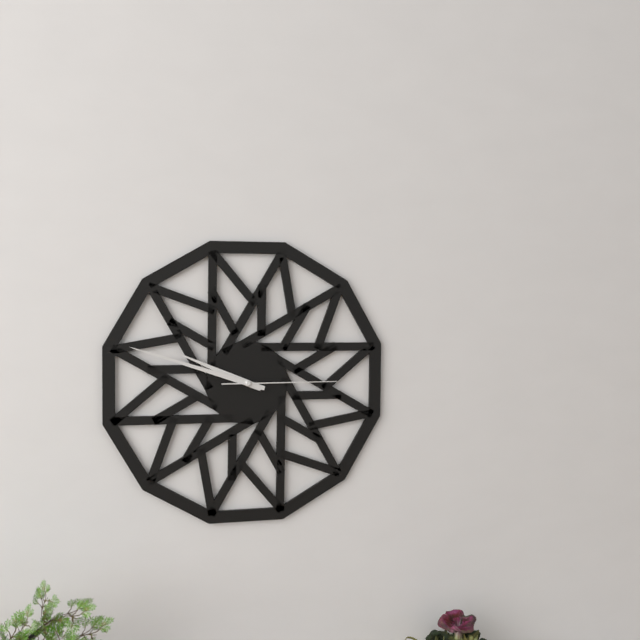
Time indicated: 9h48m15s
